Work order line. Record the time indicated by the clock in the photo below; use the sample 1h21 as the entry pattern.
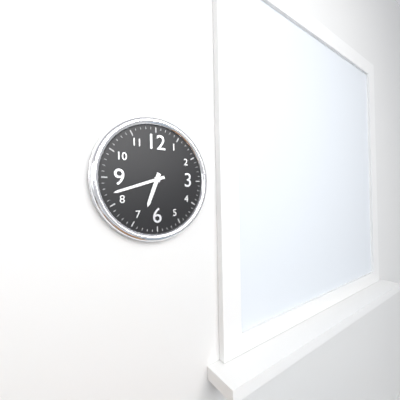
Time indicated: 6h42
